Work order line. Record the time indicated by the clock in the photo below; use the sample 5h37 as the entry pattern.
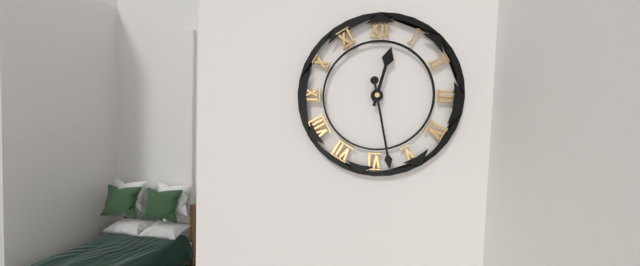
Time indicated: 12h28
